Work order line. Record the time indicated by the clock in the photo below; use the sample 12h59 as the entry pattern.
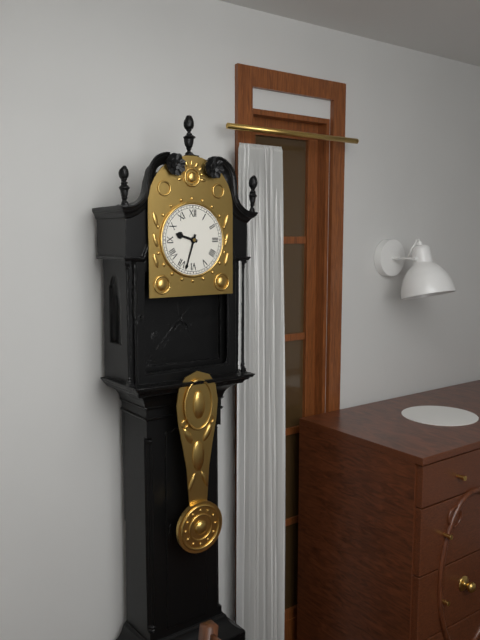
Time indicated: 9h33
